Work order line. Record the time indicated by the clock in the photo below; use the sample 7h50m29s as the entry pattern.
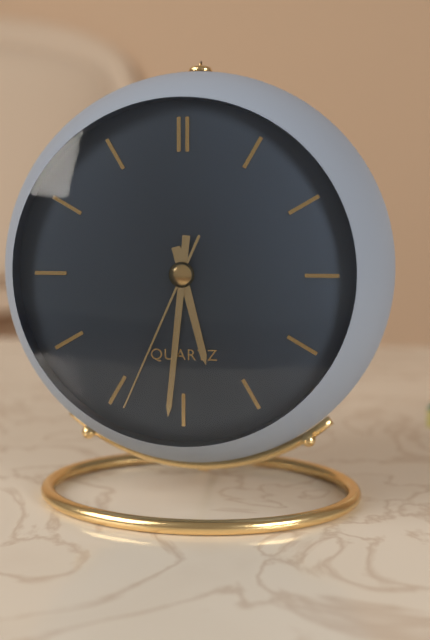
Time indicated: 5h31m34s
